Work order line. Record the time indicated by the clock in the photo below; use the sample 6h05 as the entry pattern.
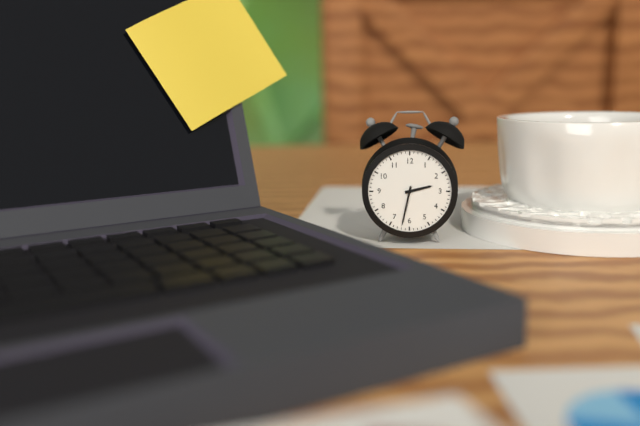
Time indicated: 2h32
